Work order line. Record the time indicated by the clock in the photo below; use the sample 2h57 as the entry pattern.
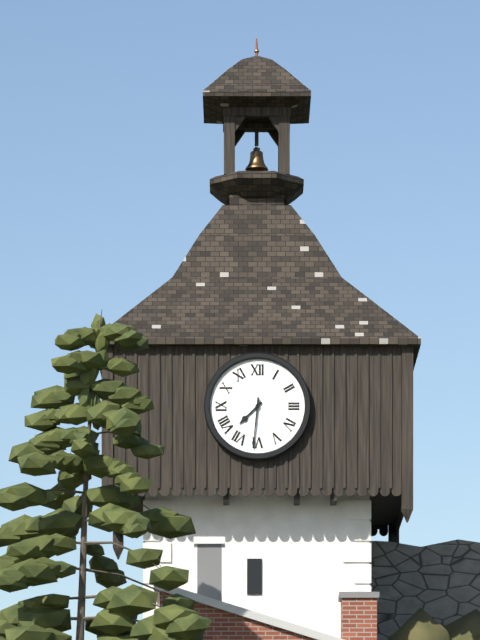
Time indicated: 7h31
